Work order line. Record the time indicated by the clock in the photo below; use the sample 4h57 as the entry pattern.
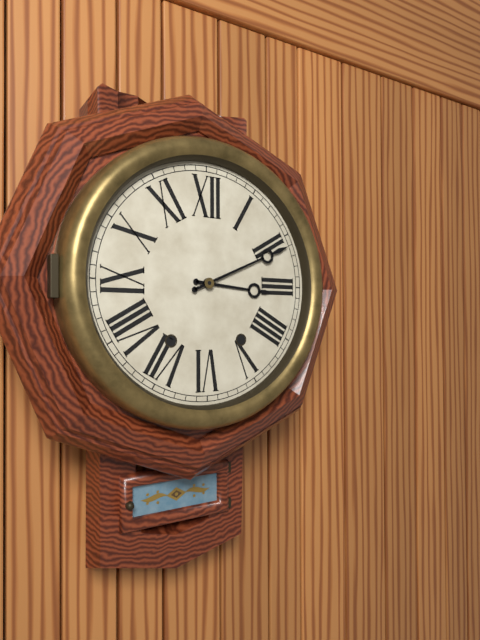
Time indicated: 3h11
